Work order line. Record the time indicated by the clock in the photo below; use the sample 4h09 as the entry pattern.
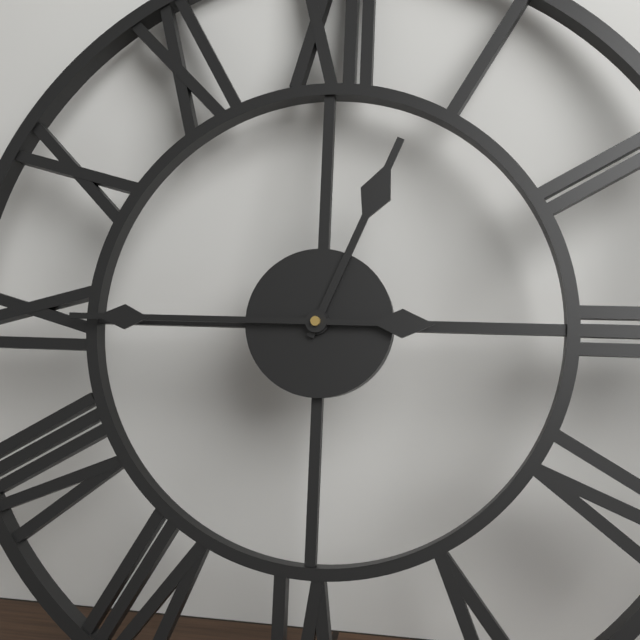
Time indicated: 12h45
